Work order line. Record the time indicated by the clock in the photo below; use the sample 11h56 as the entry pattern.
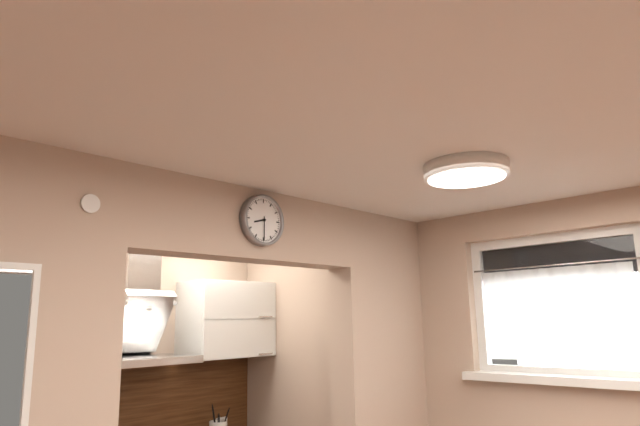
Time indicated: 8h30
